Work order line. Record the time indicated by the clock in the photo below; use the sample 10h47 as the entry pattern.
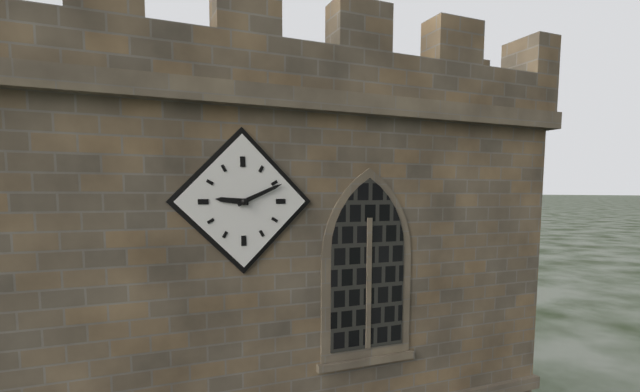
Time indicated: 9h11
